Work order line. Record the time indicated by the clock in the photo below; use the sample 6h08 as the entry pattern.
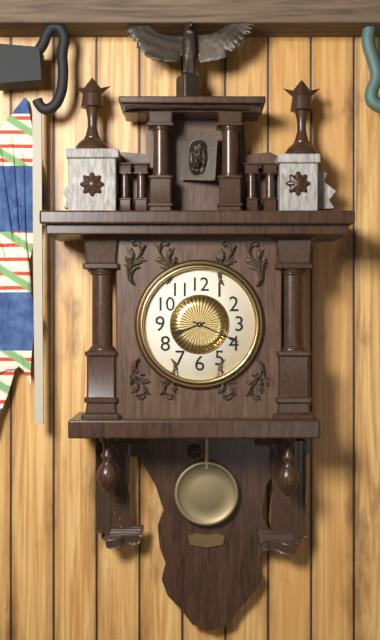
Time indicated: 8h19
